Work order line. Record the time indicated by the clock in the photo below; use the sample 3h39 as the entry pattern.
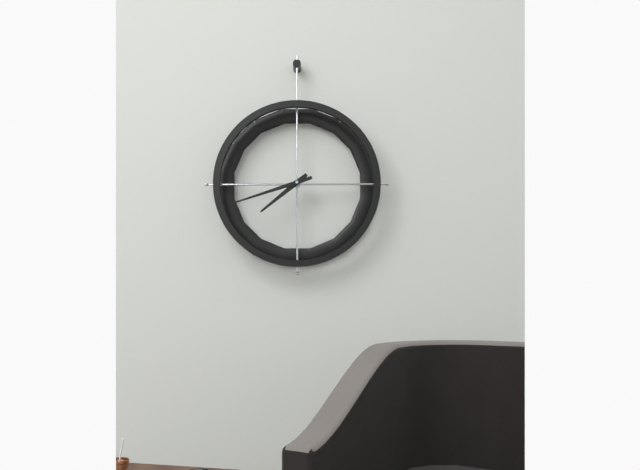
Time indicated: 7h42
